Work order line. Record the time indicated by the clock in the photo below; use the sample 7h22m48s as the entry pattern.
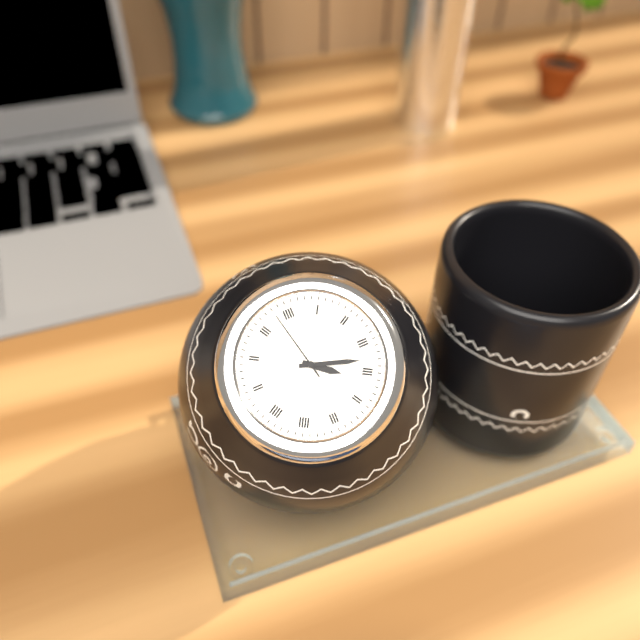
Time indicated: 4h18m58s
